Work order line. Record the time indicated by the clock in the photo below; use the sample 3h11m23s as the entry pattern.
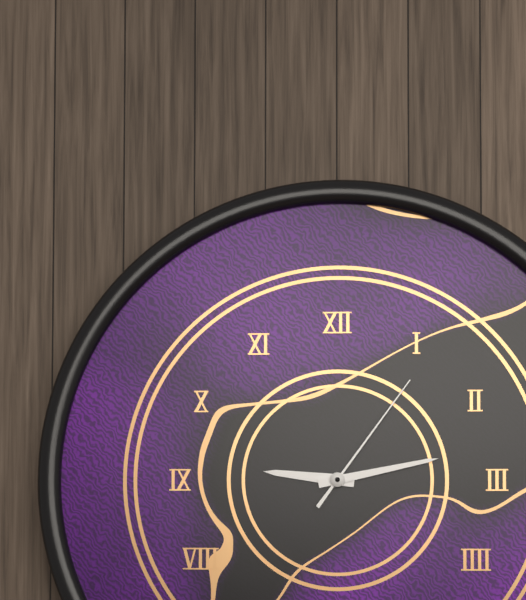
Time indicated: 9h13m06s
